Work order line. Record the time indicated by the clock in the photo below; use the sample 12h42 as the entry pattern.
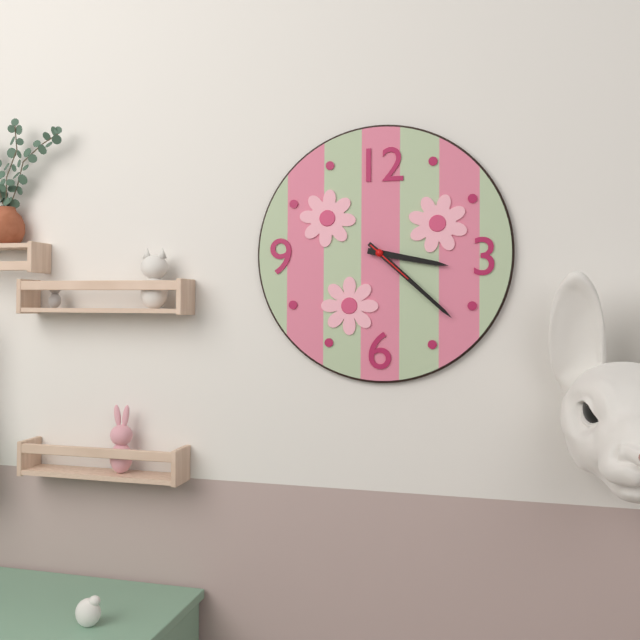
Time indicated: 3h22
